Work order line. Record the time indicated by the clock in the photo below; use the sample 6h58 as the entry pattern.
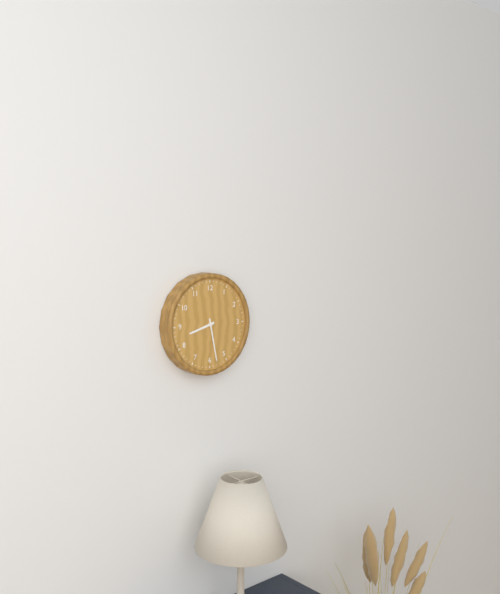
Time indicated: 8h28
